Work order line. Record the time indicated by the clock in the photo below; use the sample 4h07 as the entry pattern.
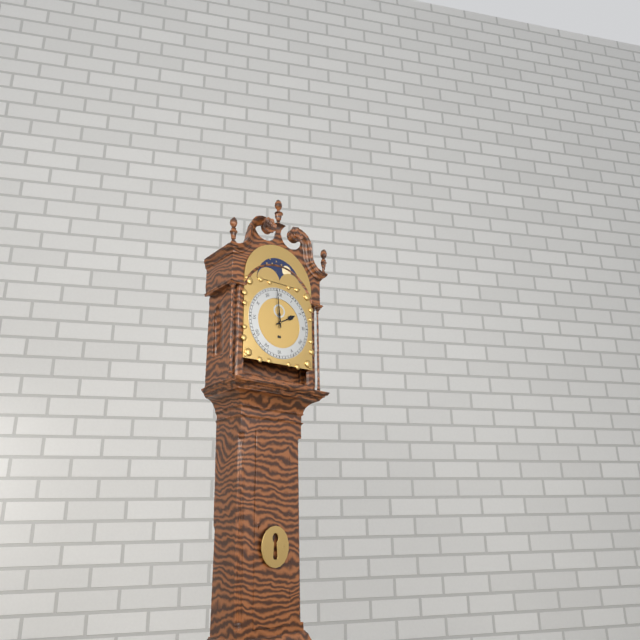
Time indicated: 1h59
